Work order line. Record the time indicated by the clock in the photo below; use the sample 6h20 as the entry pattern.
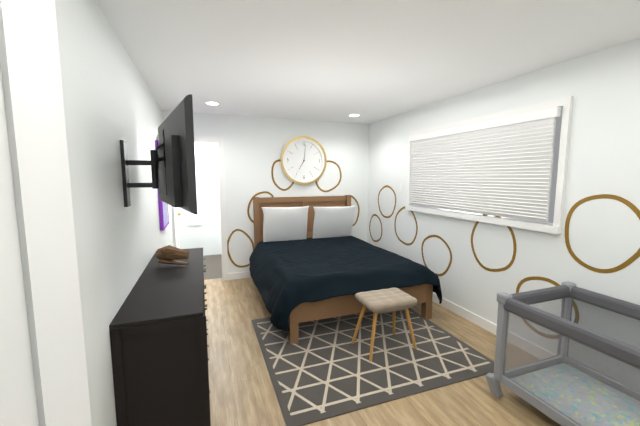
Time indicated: 7h01
